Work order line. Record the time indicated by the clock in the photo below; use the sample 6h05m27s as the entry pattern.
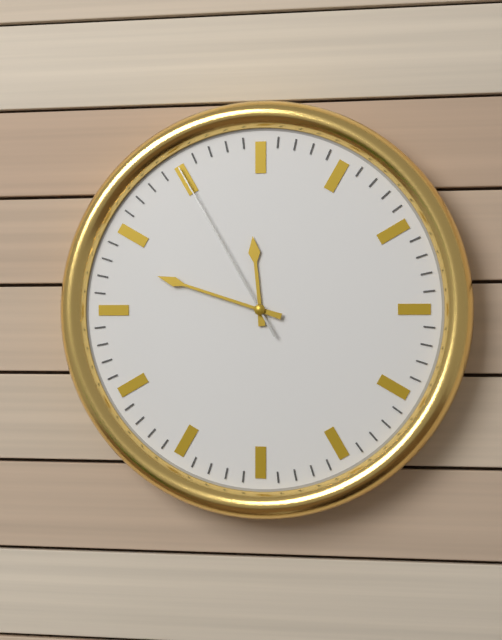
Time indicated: 11h48m55s
